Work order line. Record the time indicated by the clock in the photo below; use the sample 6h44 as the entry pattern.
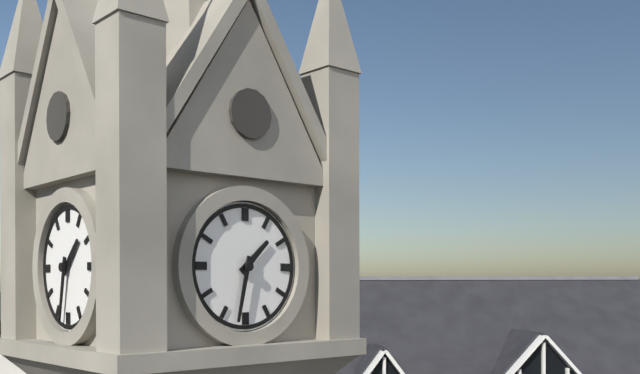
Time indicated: 1h32
